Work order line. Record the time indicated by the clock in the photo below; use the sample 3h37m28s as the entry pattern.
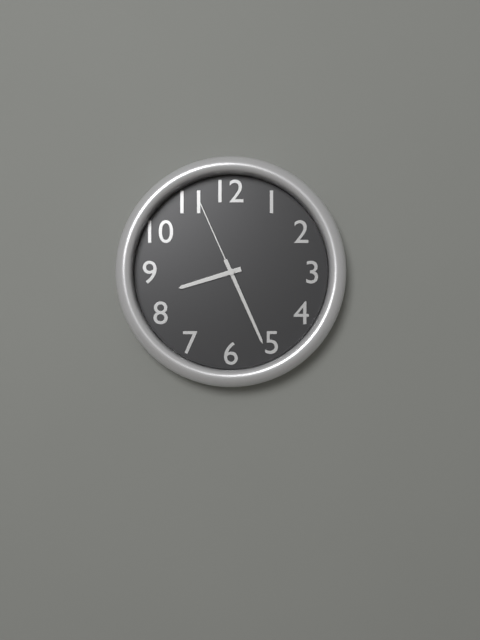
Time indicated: 8h26m56s
